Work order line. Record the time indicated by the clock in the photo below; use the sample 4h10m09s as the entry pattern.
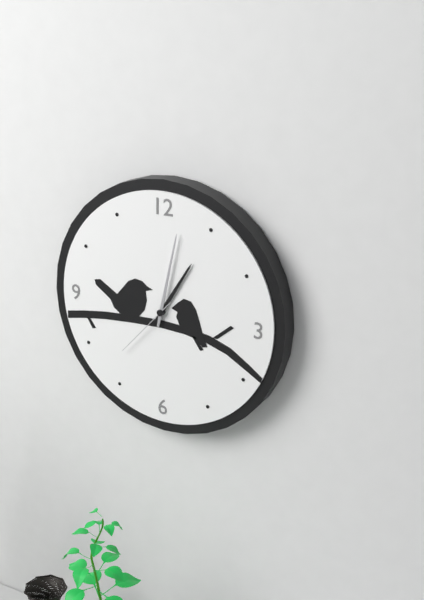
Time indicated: 1h02m37s
